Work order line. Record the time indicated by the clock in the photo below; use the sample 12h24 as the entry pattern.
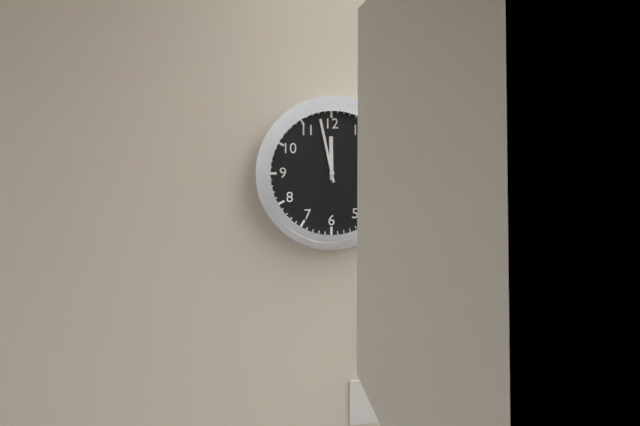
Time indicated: 11h58
